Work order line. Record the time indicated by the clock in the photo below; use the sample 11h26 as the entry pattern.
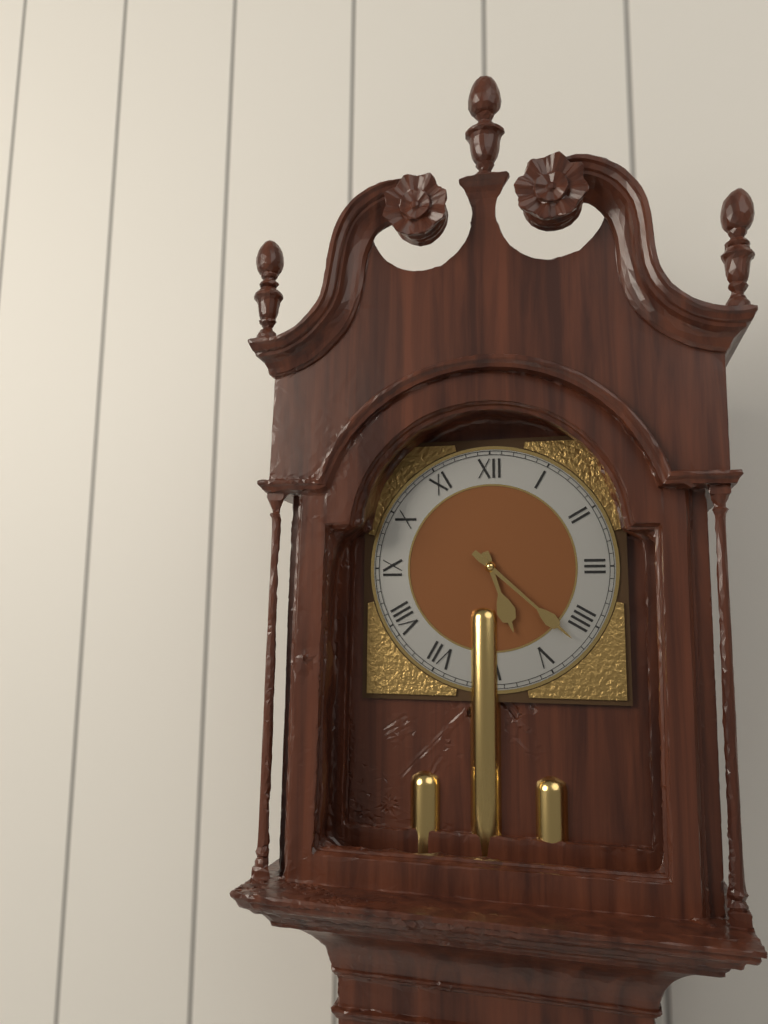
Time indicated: 5h22
